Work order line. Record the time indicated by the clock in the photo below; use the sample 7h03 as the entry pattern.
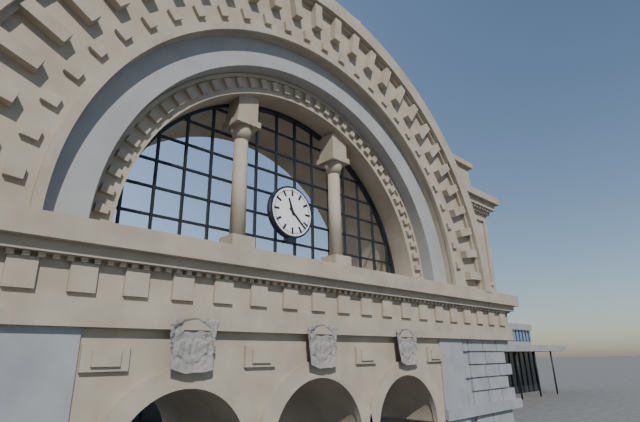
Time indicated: 11h22
